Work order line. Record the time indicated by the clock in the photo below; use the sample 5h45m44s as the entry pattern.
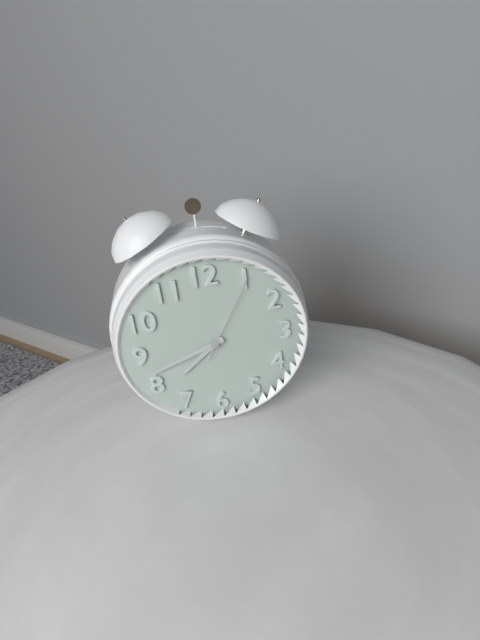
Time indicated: 7h42m05s
